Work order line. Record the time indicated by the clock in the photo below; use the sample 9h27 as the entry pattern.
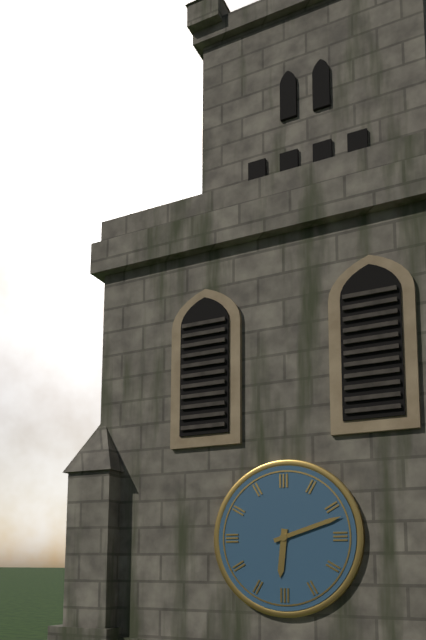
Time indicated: 6h12
